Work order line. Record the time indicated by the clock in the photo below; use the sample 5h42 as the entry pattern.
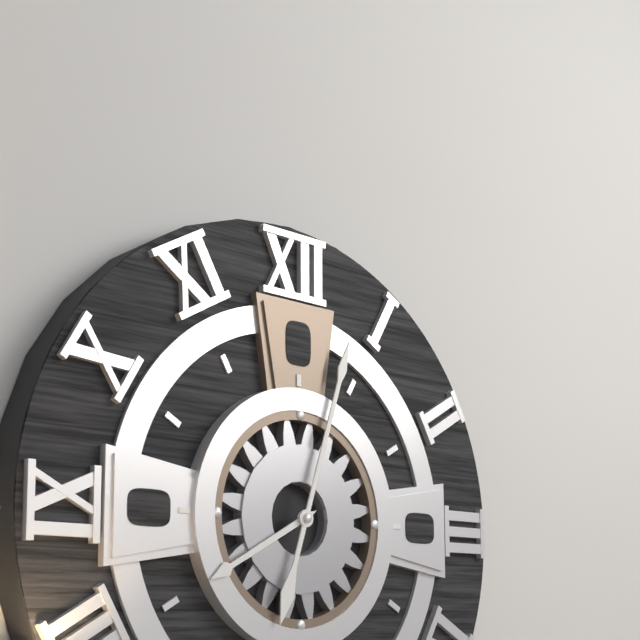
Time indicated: 8h03
